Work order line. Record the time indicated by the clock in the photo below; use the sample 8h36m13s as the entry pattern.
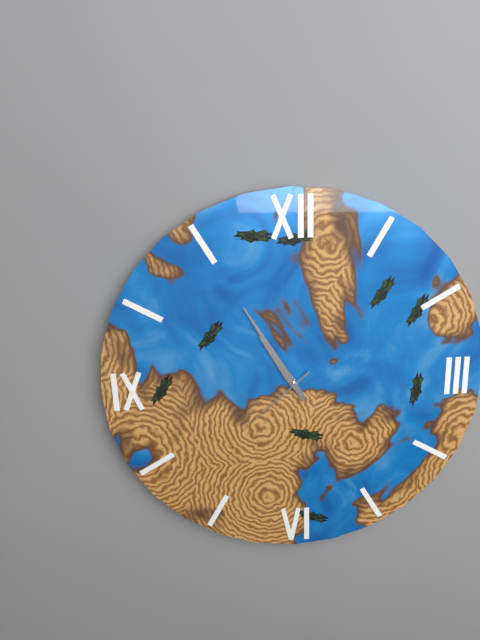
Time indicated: 10h55m38s
